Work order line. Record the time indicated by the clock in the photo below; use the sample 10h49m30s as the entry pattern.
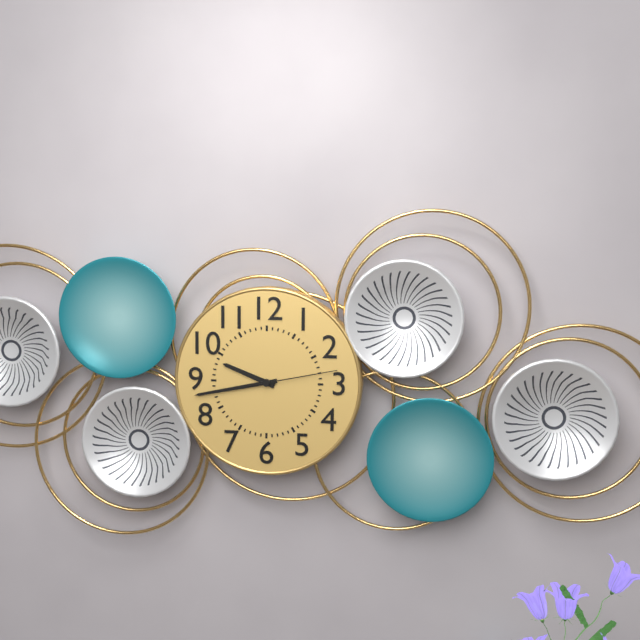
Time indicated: 9h43m13s
